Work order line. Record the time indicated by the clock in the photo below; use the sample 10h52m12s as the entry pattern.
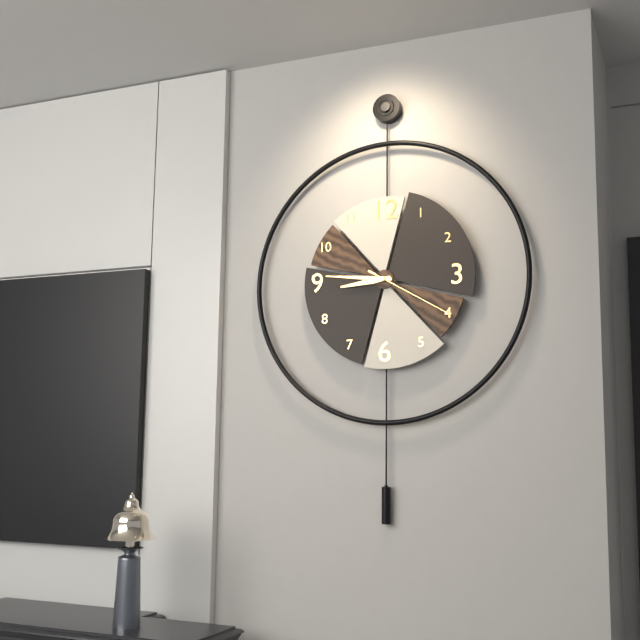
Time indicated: 8h46m20s
